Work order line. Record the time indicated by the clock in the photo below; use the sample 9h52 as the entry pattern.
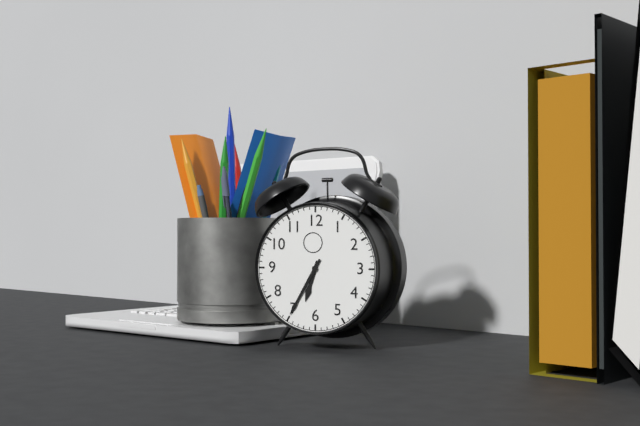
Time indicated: 6h35
